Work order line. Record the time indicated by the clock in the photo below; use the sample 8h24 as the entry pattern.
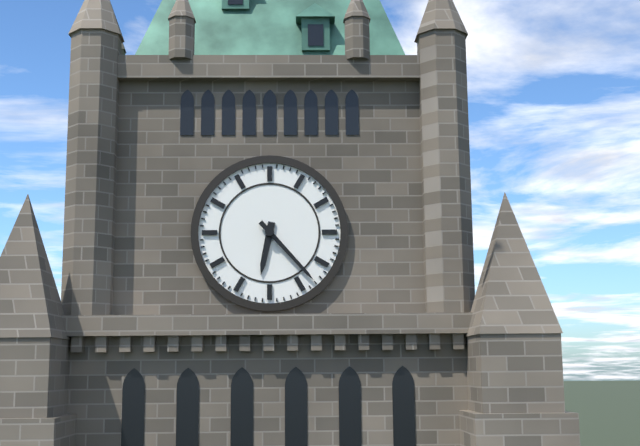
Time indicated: 6h23
